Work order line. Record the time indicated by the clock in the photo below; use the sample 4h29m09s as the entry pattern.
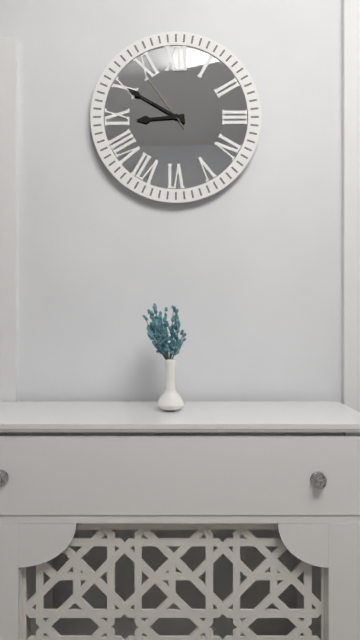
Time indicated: 8h50m54s
